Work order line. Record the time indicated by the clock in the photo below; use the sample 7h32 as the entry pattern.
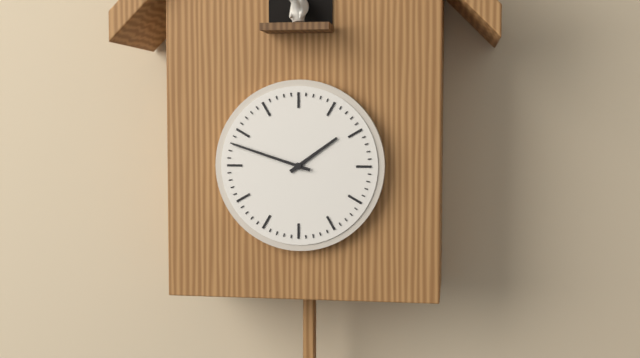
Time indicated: 1h48
